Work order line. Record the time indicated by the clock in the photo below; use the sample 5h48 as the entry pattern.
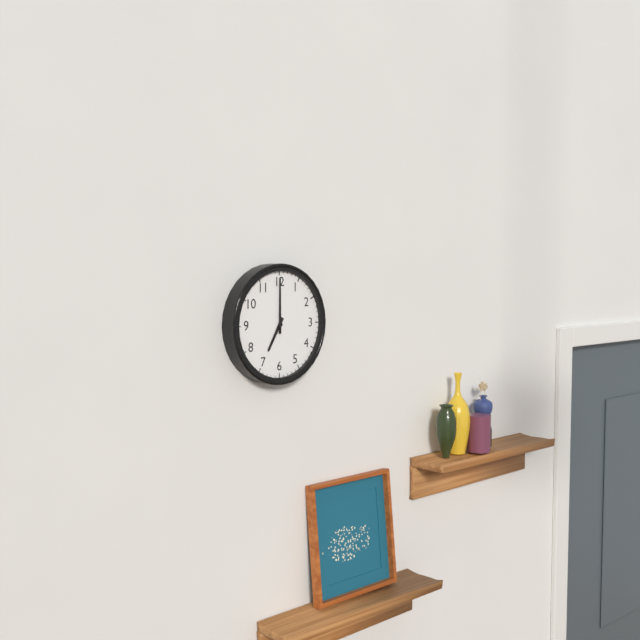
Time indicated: 7h00
